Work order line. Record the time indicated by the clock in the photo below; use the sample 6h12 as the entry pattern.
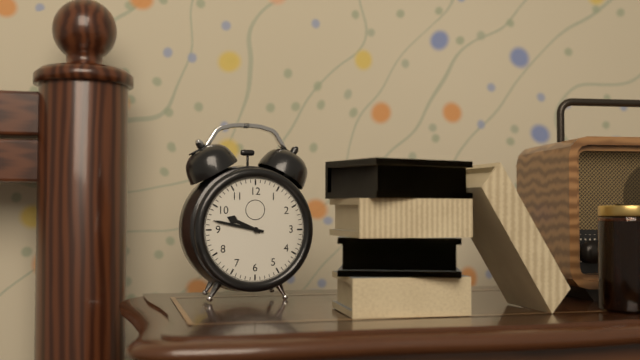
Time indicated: 9h47
